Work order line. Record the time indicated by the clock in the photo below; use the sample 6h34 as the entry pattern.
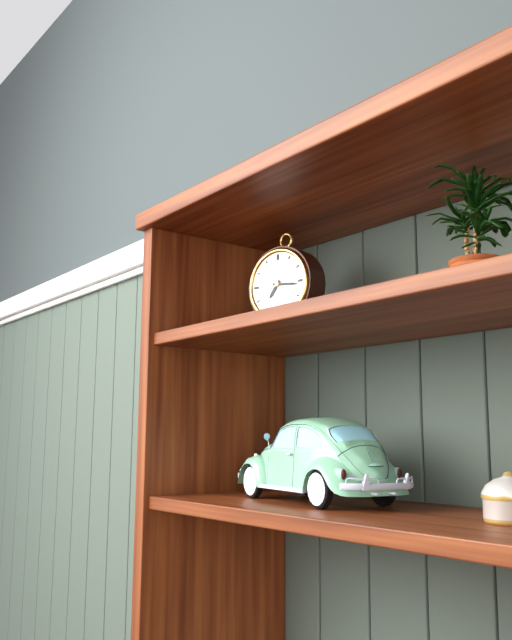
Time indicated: 7h16
